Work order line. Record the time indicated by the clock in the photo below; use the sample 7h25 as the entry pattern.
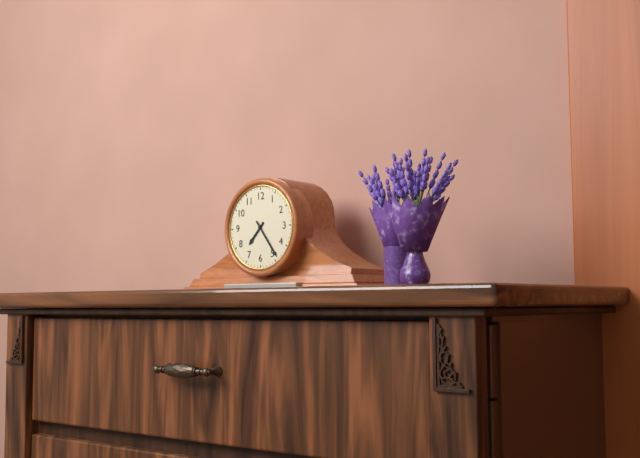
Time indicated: 7h24
